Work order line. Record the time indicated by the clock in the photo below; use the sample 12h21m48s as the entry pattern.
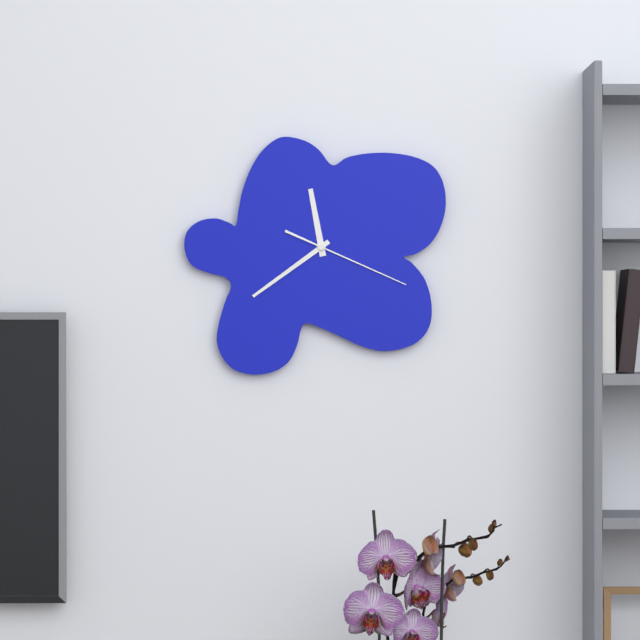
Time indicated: 11h39m19s
